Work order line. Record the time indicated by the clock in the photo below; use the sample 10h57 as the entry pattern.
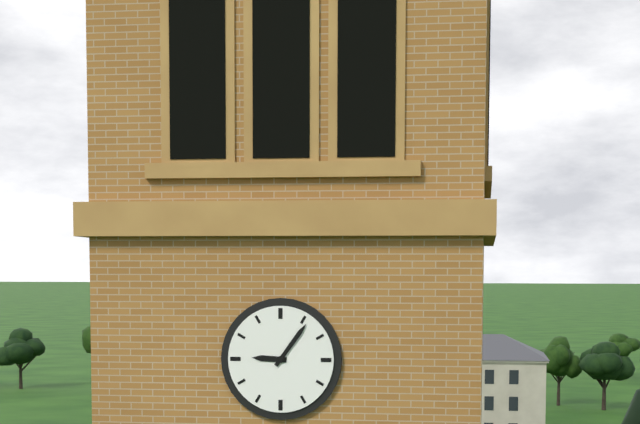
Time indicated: 9h06
